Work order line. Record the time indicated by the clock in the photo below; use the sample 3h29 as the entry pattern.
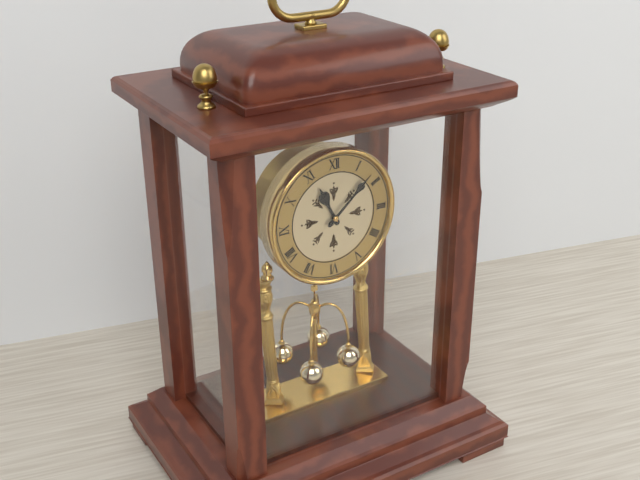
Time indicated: 11h08
